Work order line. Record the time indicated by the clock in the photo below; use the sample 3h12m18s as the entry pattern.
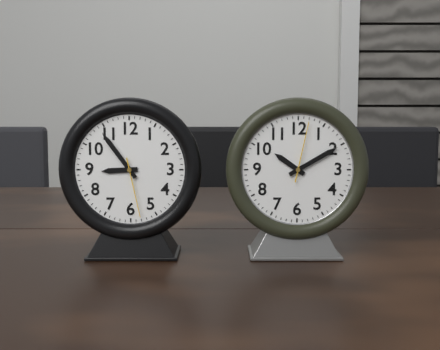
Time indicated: 8h54m28s
